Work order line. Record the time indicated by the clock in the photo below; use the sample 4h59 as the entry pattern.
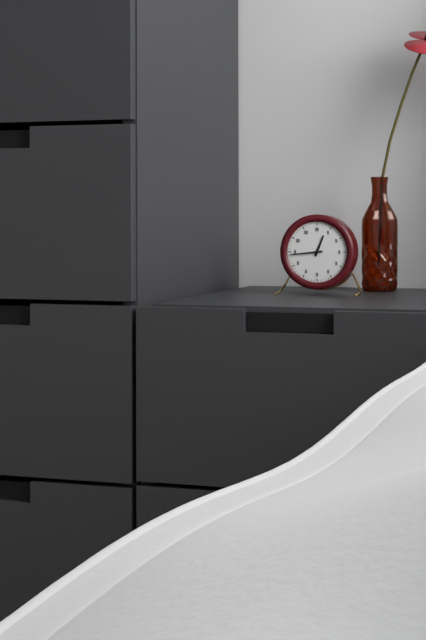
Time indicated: 12h44
